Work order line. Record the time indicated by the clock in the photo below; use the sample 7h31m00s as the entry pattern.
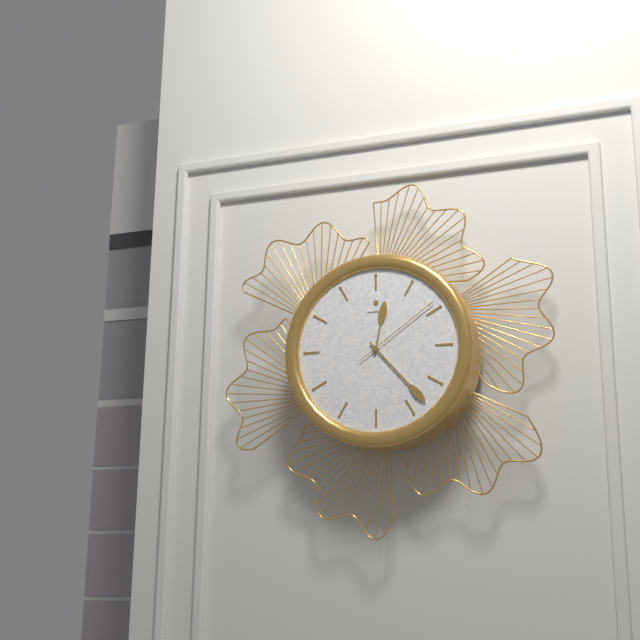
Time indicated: 12h23m09s
